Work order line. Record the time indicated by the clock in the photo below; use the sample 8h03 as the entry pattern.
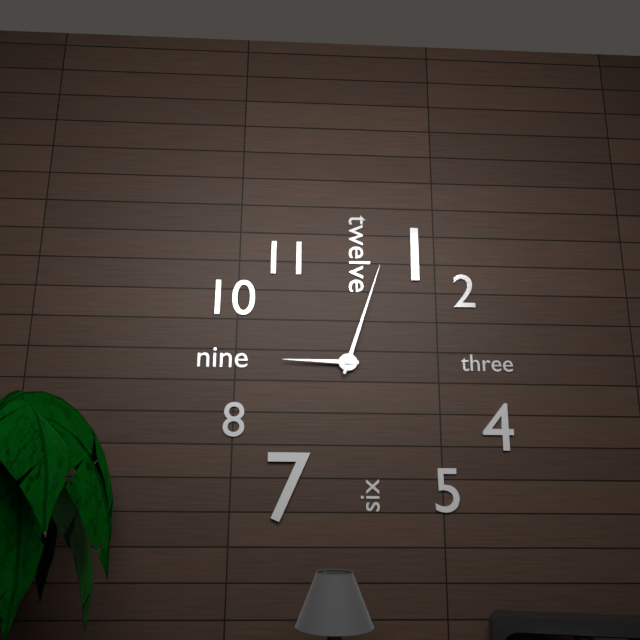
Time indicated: 9h03
